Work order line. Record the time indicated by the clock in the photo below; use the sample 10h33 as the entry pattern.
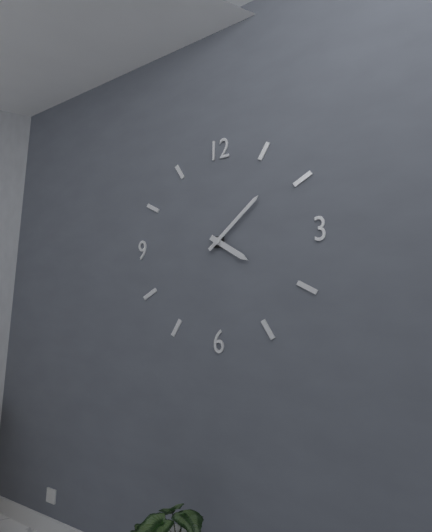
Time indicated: 4h08
